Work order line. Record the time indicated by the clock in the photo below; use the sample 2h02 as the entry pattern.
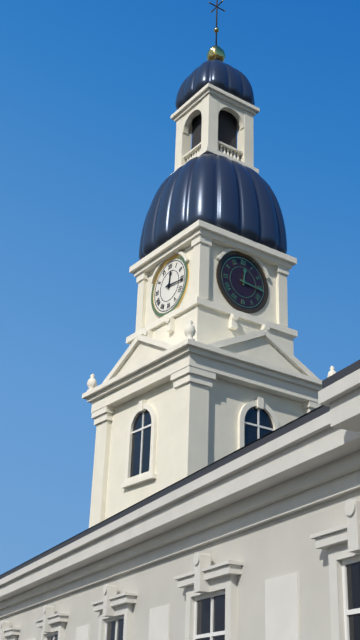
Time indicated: 12h16
